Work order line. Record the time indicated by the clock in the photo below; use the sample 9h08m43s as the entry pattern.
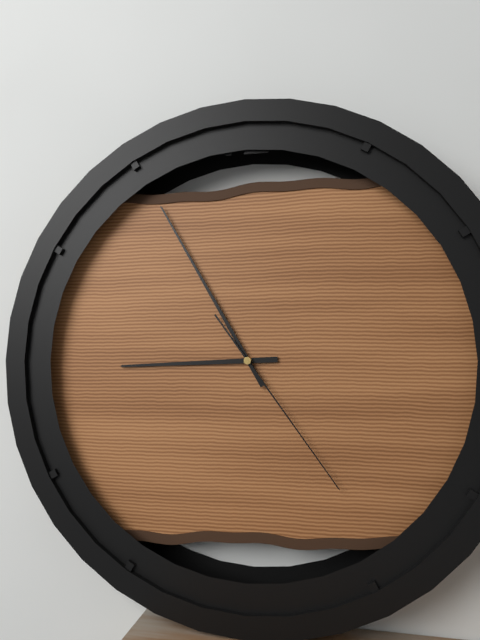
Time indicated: 8h55m24s
